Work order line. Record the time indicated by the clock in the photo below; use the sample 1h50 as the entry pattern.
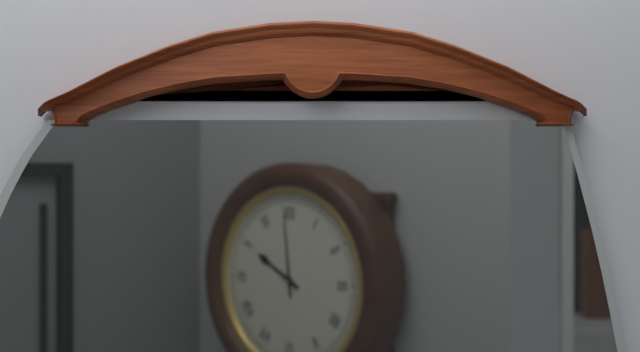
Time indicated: 9h59
